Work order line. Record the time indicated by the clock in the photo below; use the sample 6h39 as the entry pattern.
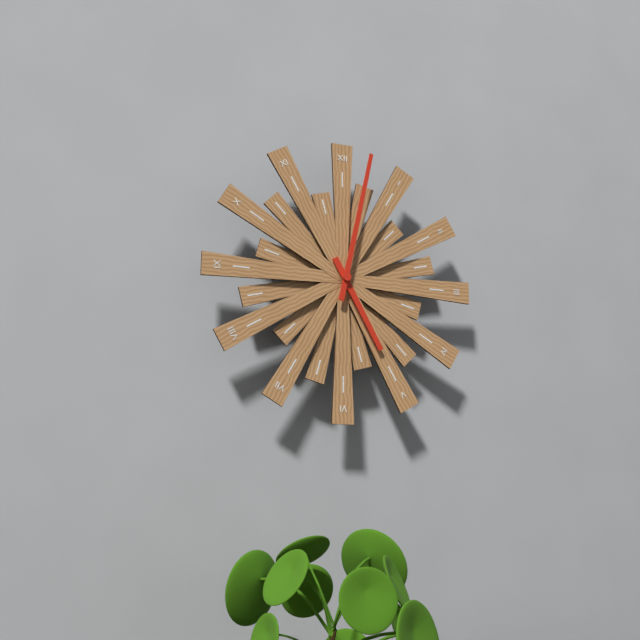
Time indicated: 5h02
